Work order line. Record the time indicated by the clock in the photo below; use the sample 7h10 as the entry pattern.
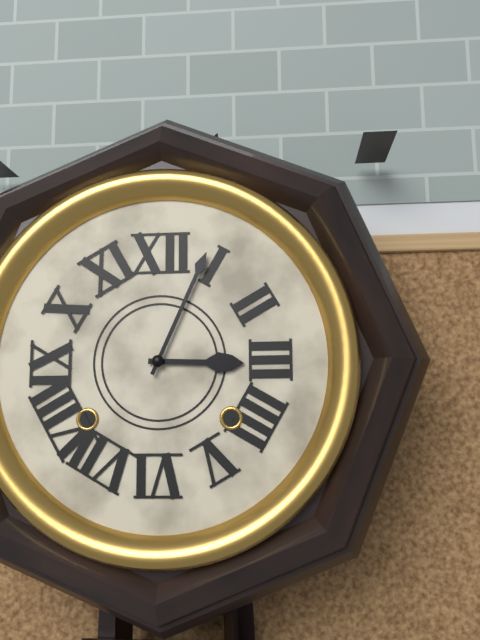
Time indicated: 3h04
